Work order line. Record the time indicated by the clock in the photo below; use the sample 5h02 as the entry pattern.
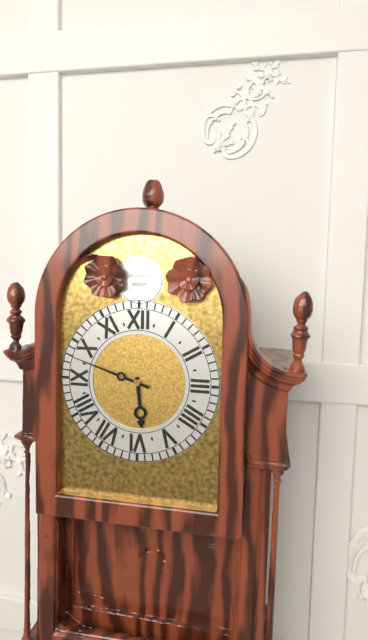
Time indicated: 5h48
